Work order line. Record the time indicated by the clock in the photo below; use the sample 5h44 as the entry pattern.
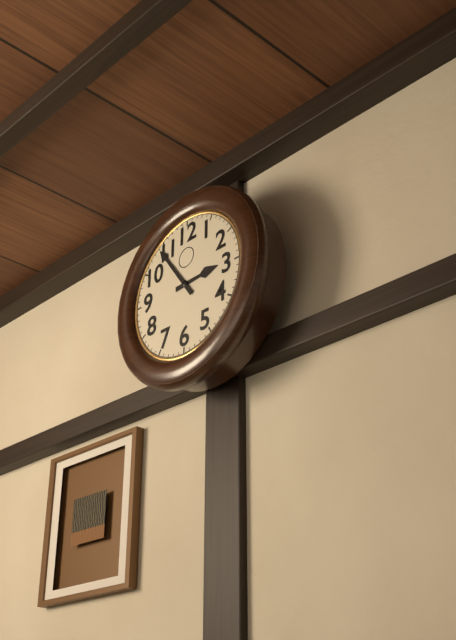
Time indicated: 2h54
